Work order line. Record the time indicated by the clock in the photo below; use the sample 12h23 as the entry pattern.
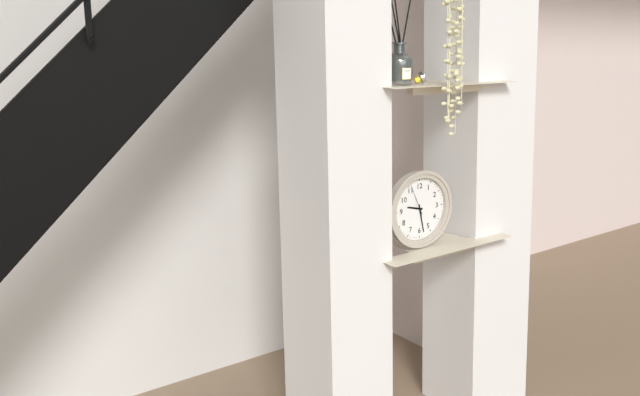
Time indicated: 9h28
